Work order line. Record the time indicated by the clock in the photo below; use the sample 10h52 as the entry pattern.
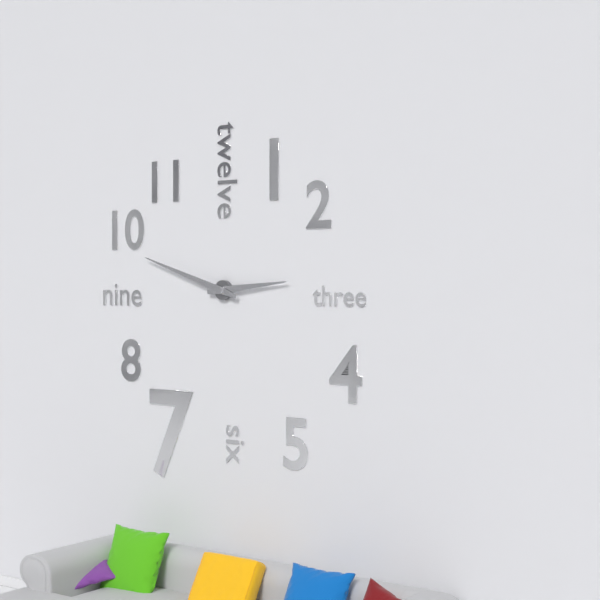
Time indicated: 2h48
